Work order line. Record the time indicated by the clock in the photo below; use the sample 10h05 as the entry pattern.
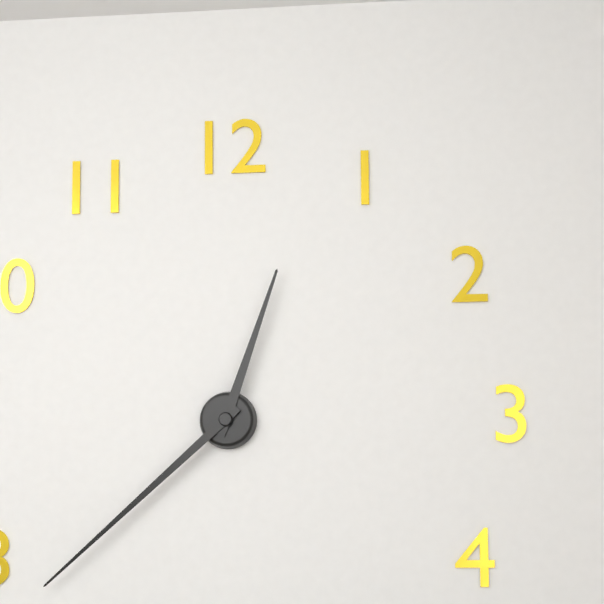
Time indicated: 12h38
